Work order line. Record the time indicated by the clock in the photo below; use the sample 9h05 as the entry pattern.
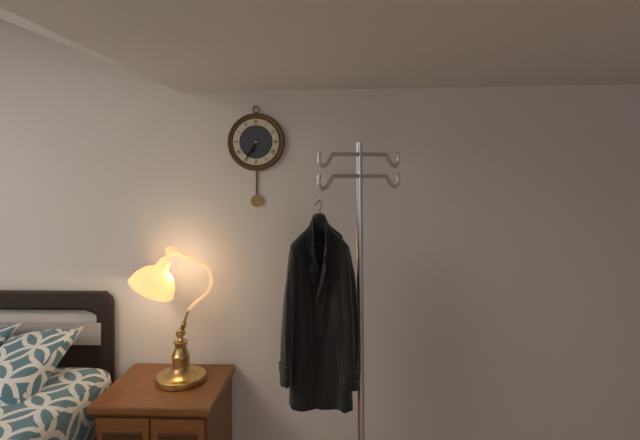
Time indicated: 6h35
